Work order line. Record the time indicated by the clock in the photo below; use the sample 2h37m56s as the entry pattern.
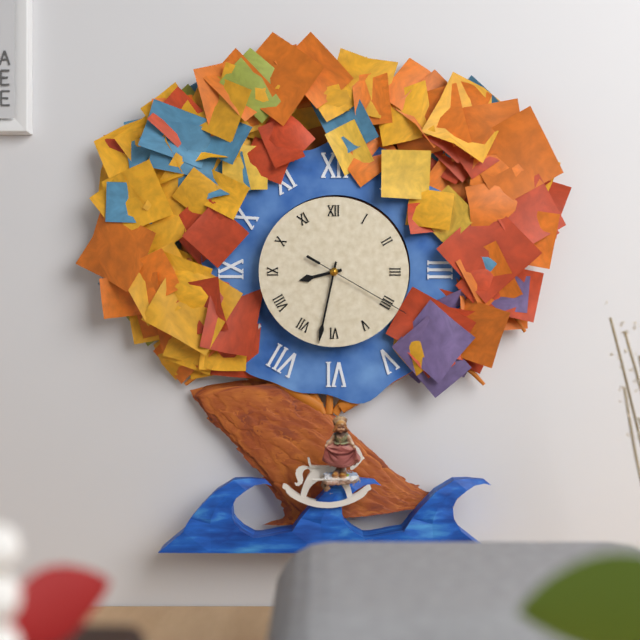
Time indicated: 8h32m20s
